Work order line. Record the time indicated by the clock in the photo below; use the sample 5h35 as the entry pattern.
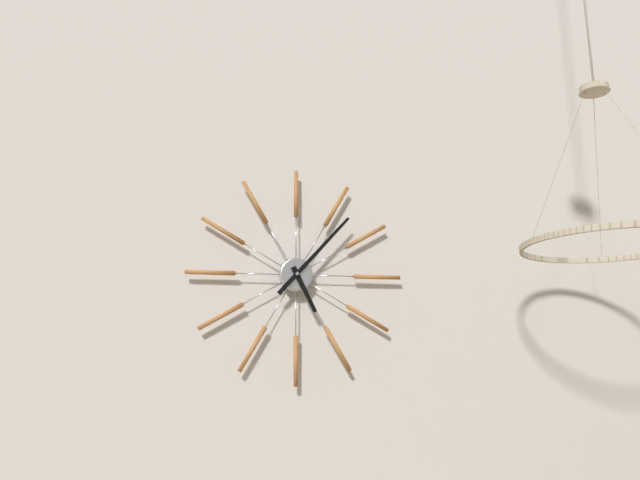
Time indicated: 5h07
